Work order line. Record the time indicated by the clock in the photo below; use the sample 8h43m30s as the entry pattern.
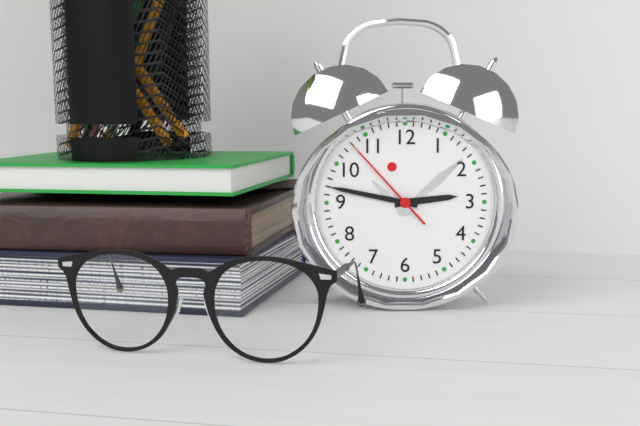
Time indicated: 2h47m53s
